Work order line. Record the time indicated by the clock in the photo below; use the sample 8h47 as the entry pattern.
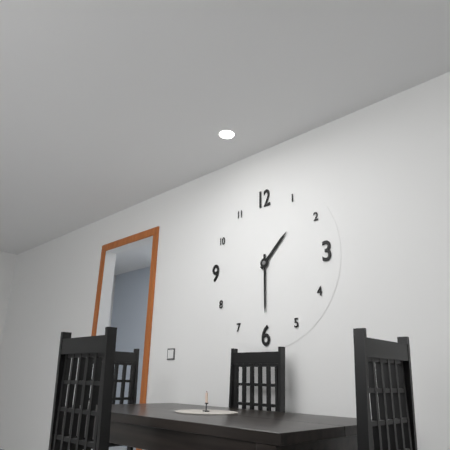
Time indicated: 1h30
